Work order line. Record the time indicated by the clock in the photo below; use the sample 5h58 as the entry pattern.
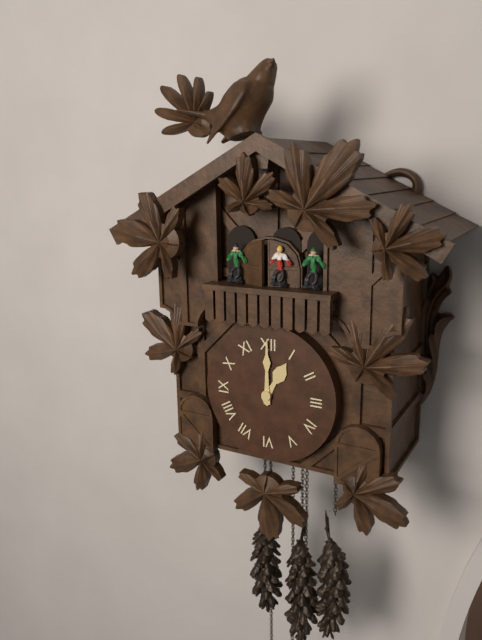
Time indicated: 1h00
